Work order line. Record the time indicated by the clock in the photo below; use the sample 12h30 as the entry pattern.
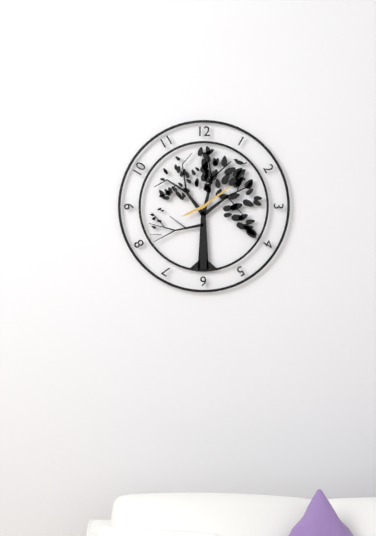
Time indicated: 8h09
